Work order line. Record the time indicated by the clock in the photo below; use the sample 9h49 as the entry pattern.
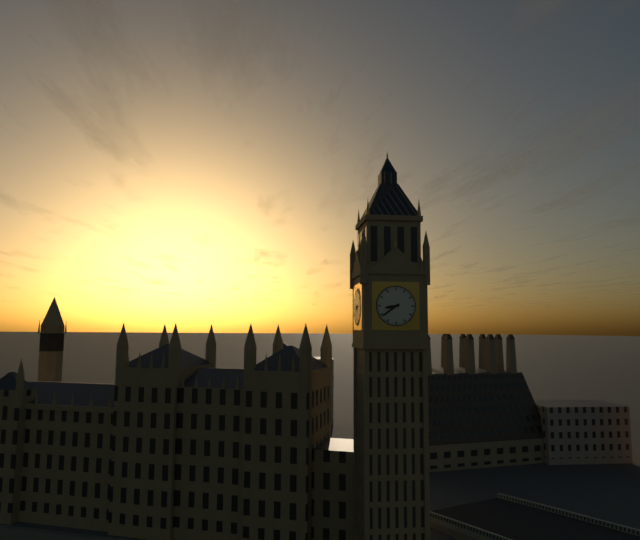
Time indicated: 8h39
